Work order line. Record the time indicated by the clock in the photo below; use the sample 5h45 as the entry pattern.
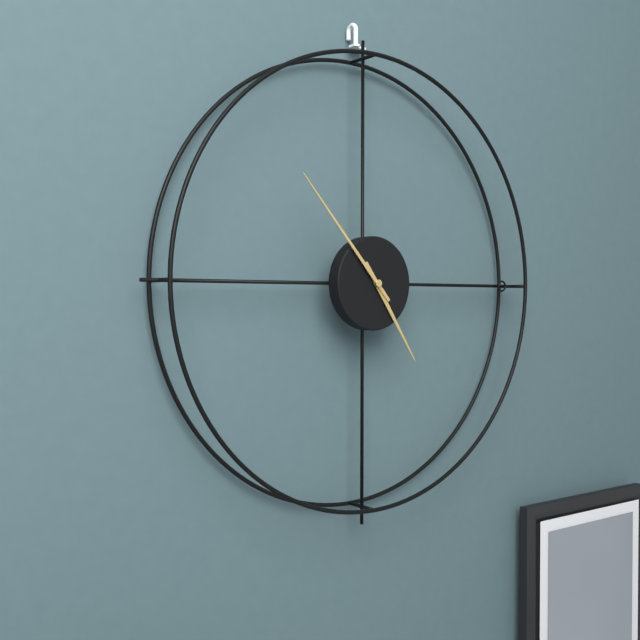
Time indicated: 4h53
